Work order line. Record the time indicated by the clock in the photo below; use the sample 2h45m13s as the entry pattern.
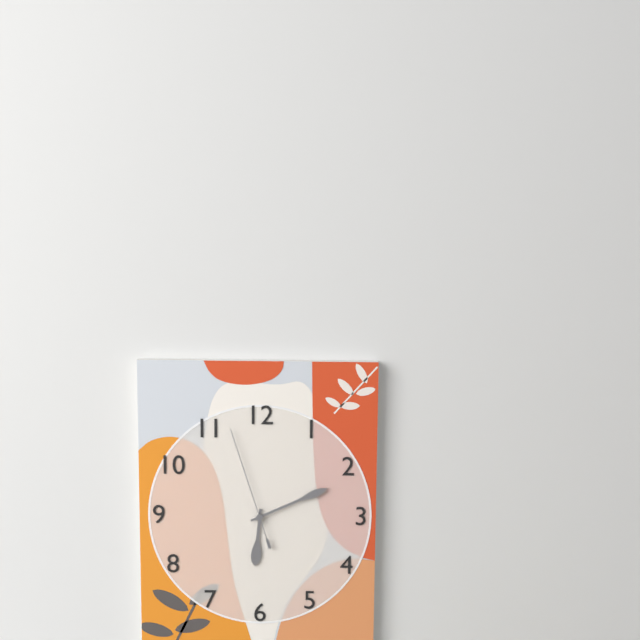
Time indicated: 6h11m57s
